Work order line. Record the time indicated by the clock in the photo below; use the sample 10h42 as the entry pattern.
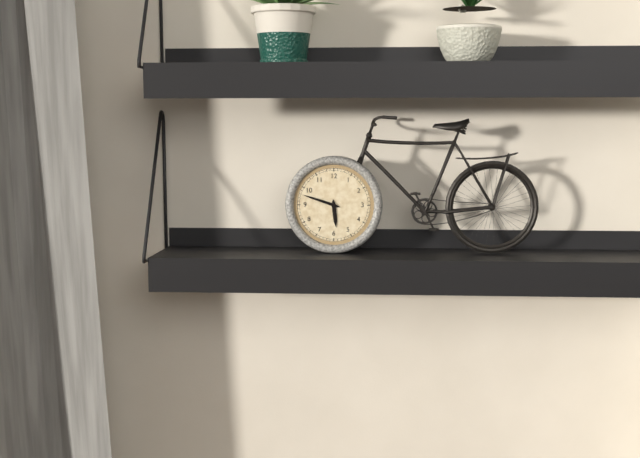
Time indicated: 5h48
